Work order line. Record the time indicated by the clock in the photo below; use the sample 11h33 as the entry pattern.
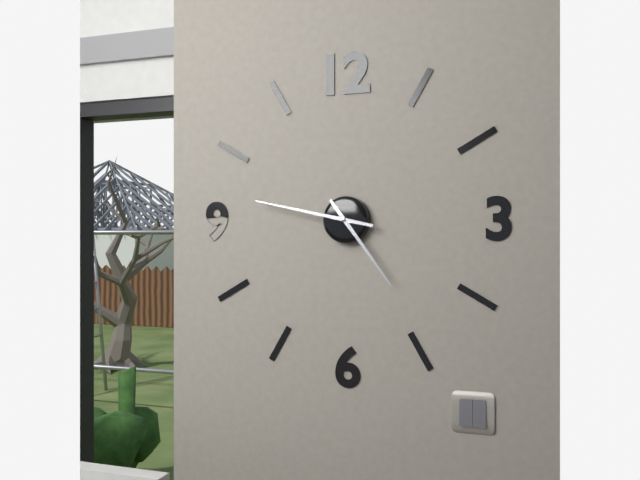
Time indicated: 4h47
